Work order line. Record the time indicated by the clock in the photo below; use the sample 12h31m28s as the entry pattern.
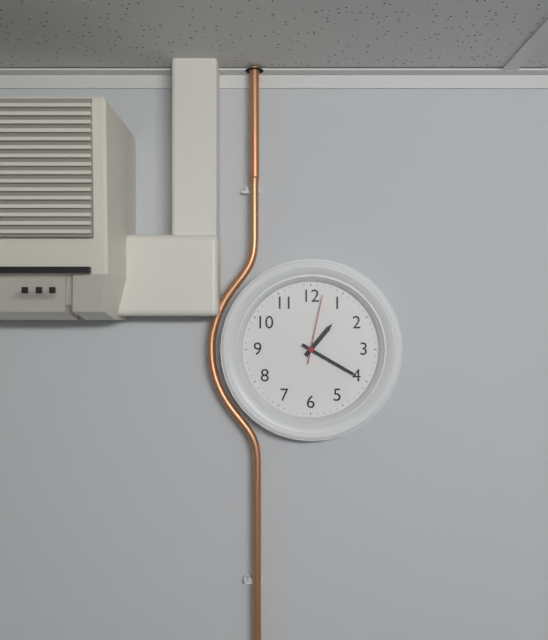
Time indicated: 1h20m02s
